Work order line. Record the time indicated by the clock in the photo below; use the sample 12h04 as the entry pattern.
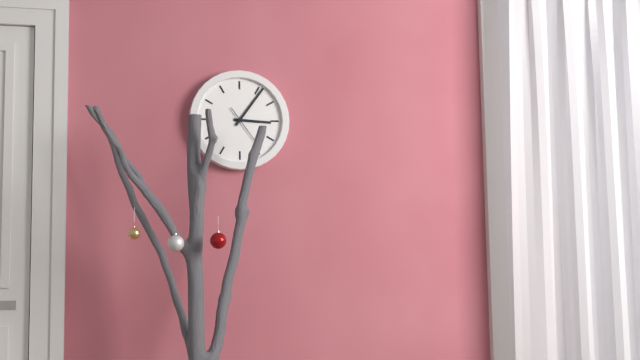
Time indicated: 3h06
